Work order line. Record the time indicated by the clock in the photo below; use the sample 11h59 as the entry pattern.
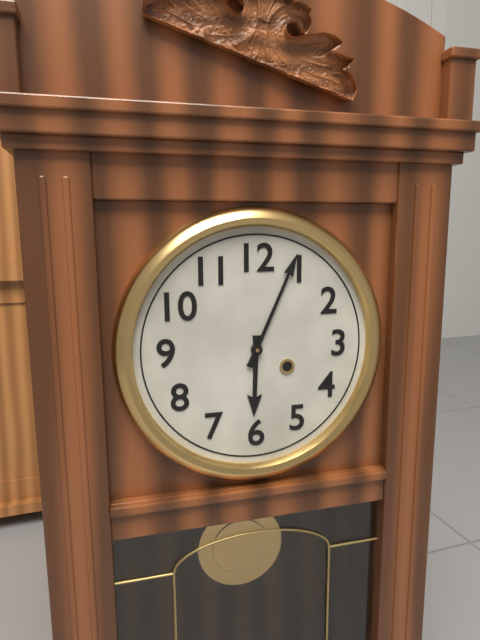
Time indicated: 6h04
